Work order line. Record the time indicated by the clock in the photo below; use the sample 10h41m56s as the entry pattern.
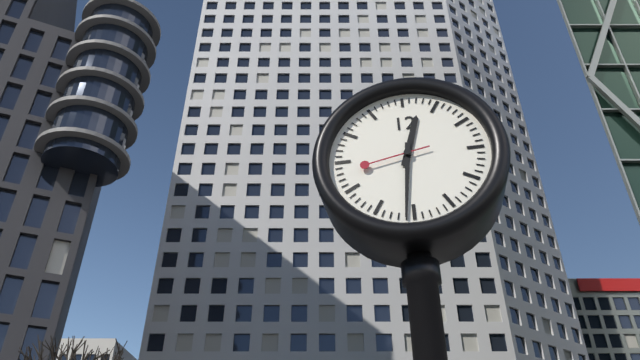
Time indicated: 12h31m43s
